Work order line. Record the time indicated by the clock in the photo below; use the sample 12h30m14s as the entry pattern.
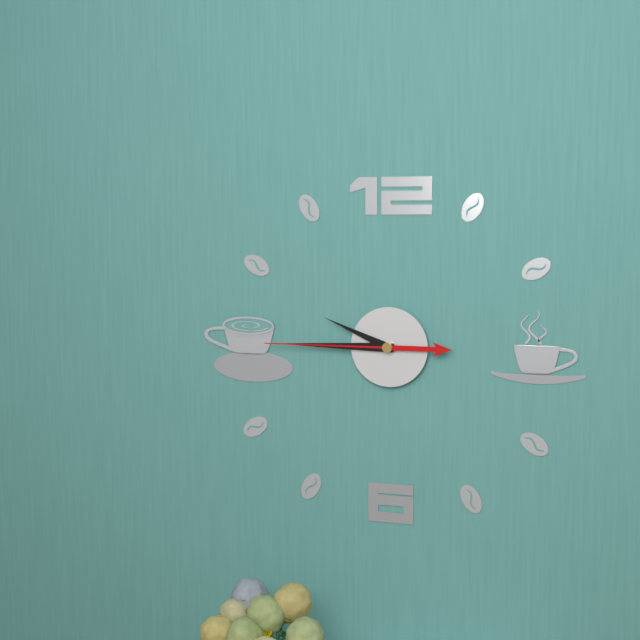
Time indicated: 9h45m45s
